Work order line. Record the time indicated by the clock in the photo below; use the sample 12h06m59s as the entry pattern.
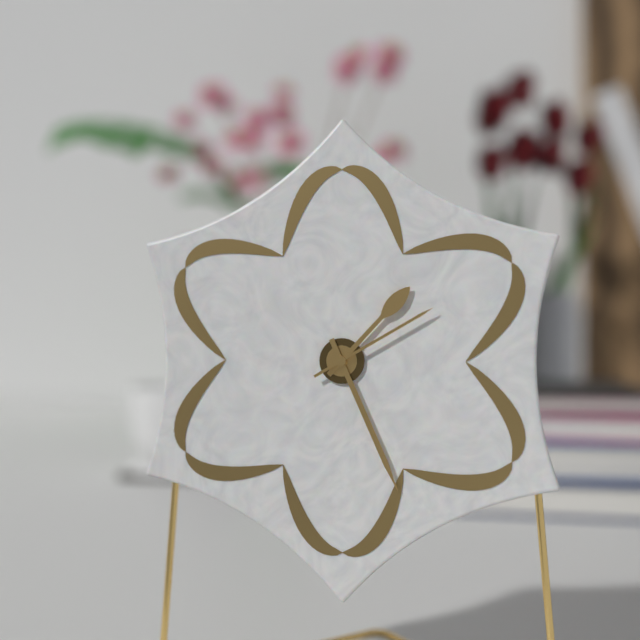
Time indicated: 1h26m10s
